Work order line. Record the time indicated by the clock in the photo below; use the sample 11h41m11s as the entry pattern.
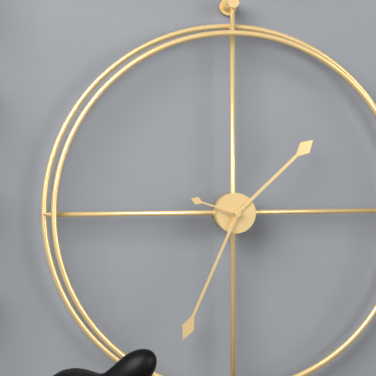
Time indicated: 1h34m48s
